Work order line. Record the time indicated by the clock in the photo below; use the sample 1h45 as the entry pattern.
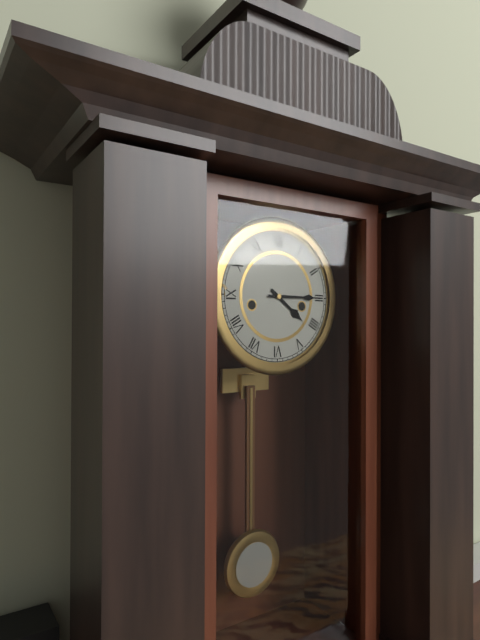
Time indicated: 4h15
